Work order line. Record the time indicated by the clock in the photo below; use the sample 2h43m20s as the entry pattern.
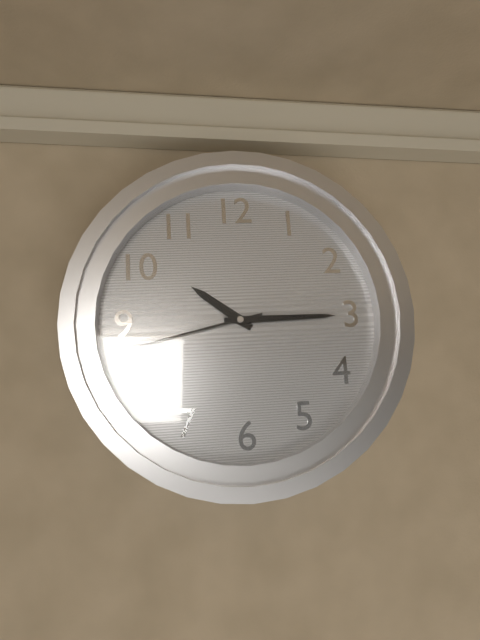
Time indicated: 10h15m43s
